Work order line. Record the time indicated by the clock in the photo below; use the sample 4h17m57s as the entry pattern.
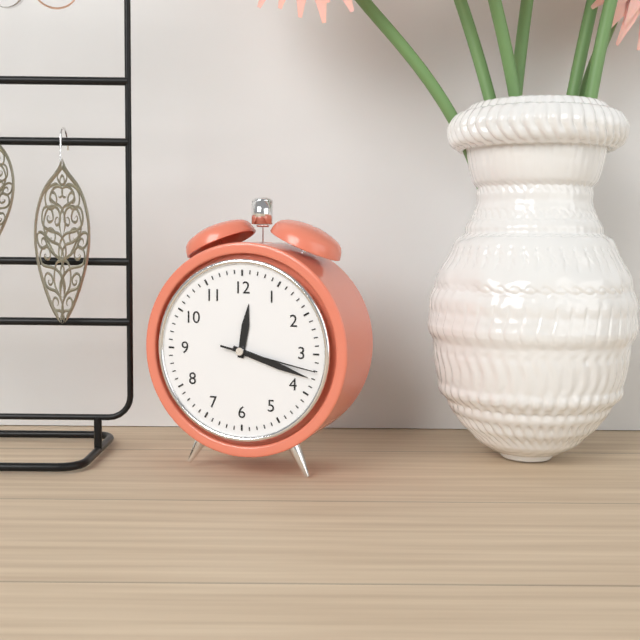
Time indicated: 12h18m17s
